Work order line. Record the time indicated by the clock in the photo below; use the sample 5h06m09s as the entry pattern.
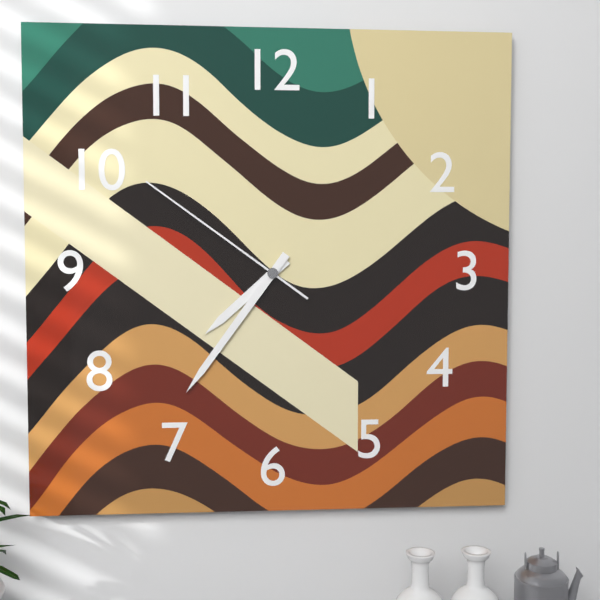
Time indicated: 7h36m51s
